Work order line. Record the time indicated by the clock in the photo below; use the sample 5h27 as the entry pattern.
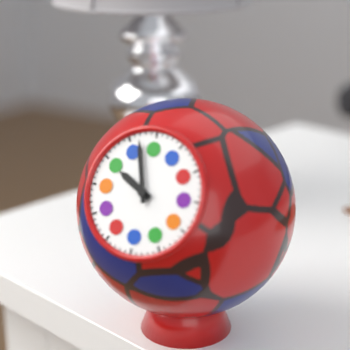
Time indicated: 9h57
